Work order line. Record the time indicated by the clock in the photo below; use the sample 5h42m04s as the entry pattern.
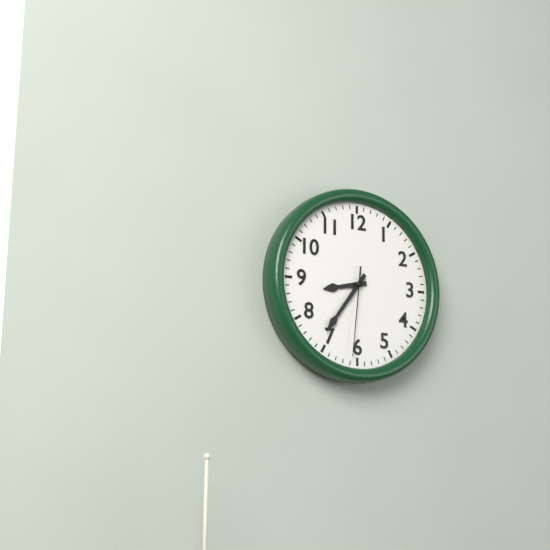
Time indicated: 8h36m31s
